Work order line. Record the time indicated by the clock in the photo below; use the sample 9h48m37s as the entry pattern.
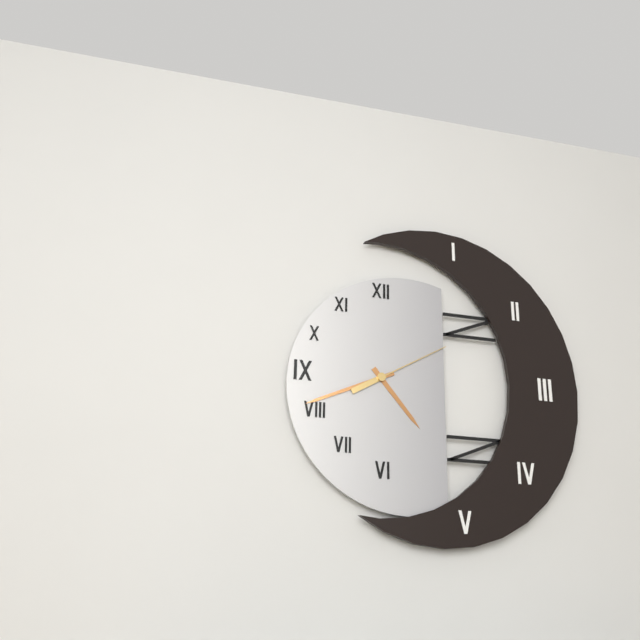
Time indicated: 4h41m10s
